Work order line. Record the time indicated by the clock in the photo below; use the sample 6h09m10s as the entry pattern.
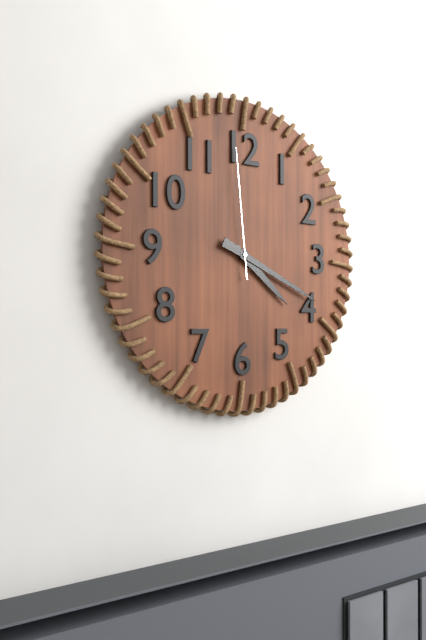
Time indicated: 4h19m59s
